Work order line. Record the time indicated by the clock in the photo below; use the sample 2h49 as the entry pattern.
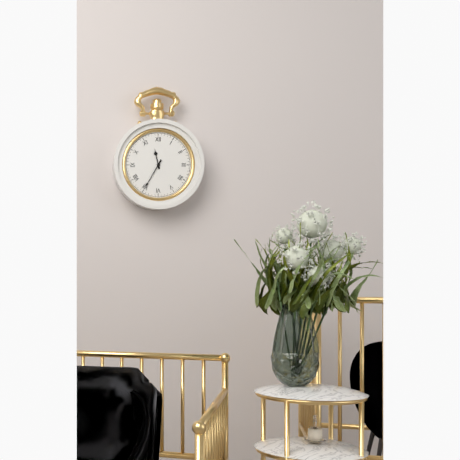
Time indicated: 11h35
